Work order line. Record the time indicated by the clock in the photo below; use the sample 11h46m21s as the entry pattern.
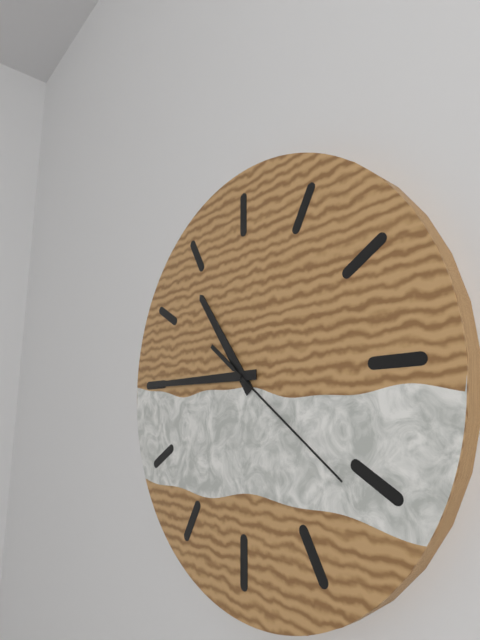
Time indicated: 10h45m21s
